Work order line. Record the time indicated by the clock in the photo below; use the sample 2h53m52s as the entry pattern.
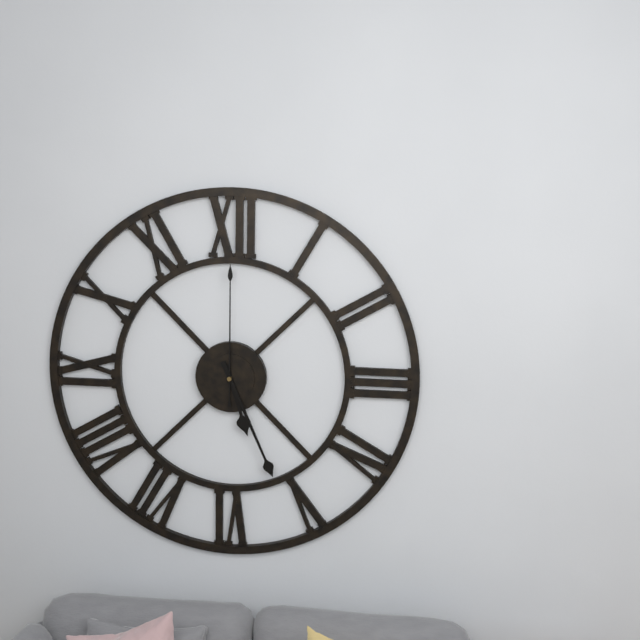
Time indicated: 5h26m00s
